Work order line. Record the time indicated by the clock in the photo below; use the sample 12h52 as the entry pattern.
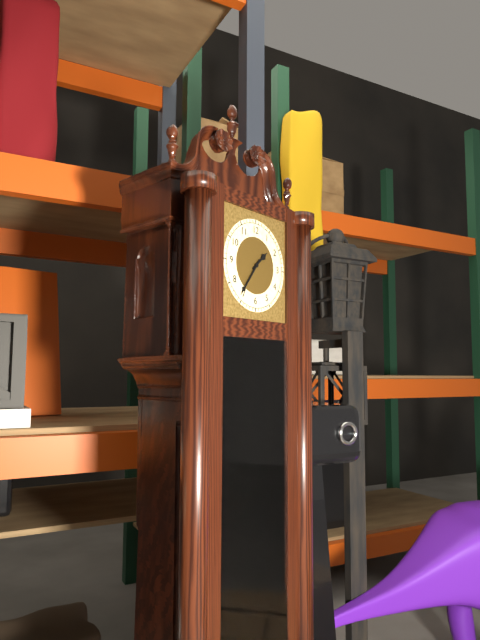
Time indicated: 1h36
